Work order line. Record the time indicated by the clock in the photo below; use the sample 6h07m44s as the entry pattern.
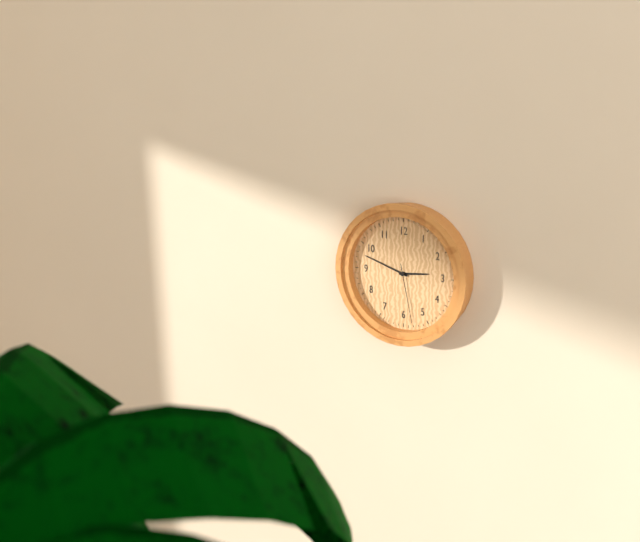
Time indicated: 2h48m28s
